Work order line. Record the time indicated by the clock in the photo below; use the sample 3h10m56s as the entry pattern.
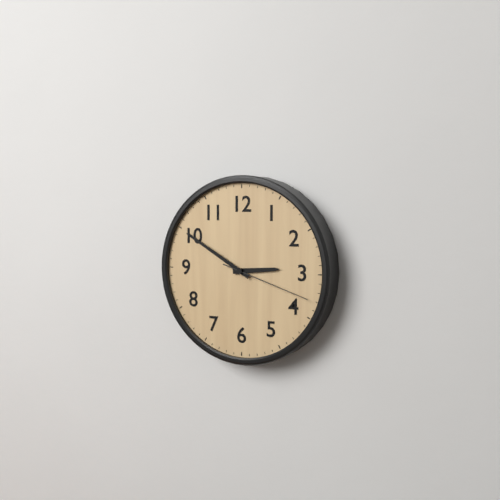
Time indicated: 2h50m18s
